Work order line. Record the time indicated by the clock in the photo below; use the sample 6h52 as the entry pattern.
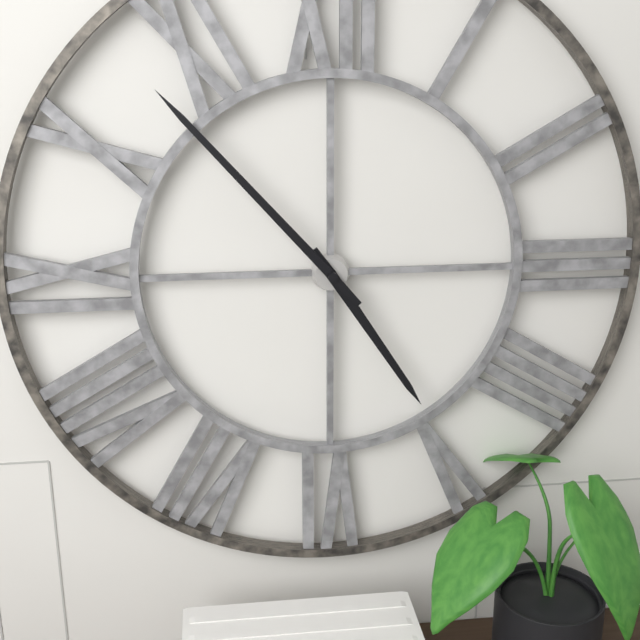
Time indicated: 4h53
